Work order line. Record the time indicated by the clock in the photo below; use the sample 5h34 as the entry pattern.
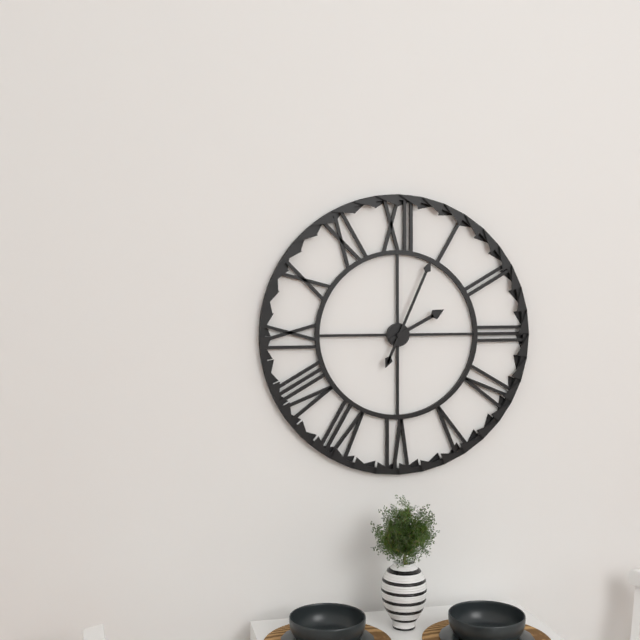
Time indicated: 2h04
